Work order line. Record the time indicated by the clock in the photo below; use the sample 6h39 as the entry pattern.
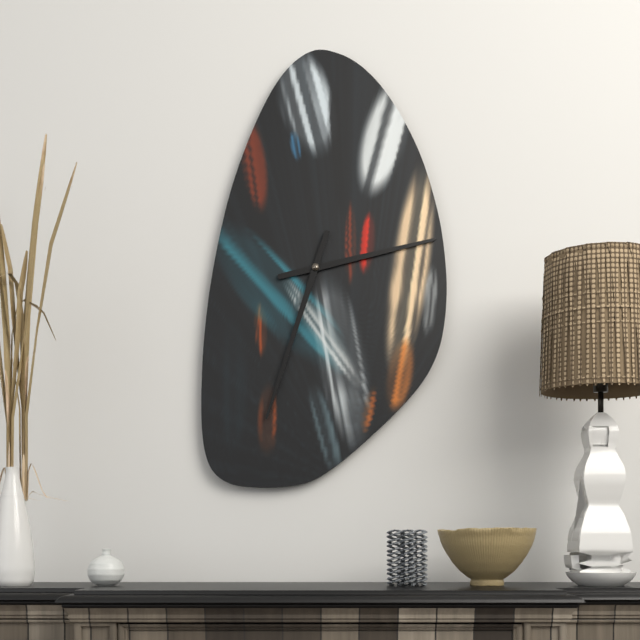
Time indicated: 2h33
